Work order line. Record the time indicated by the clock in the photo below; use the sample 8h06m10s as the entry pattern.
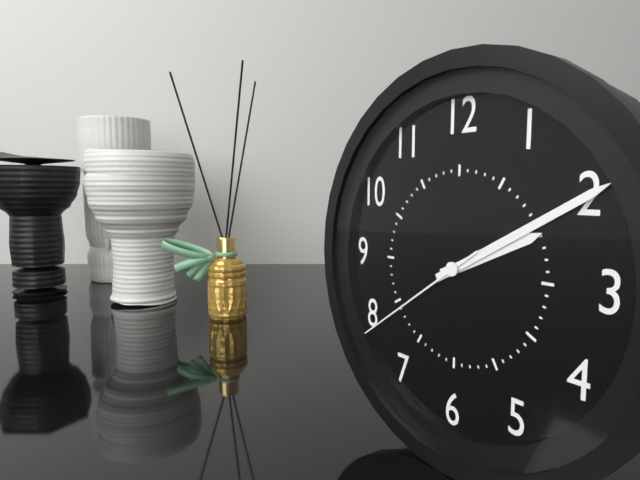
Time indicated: 2h10m39s
